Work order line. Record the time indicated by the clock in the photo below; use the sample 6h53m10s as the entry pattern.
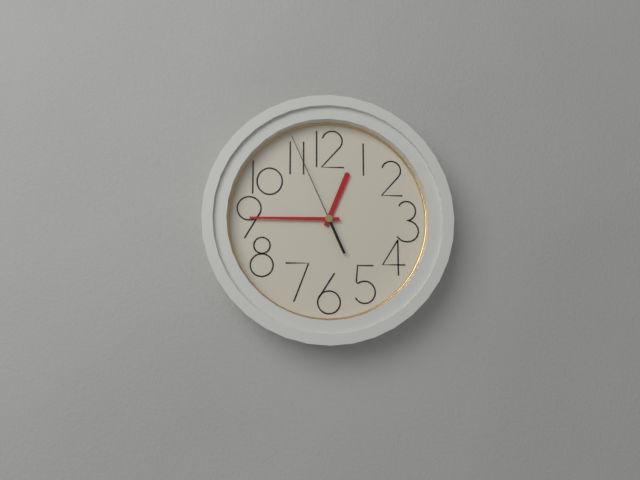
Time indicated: 12h45m56s
